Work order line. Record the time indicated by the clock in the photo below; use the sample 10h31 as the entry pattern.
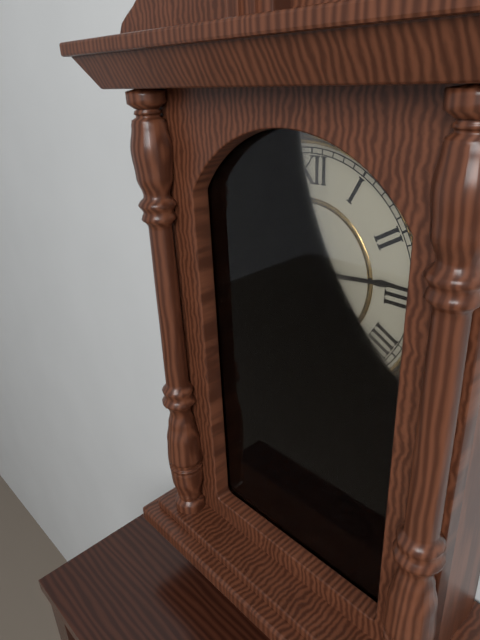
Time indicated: 4h14
